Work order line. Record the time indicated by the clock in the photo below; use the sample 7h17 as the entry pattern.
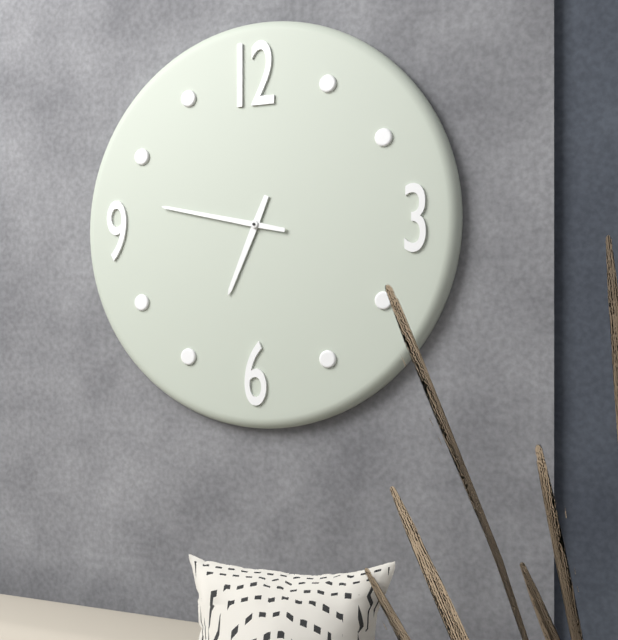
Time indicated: 6h47
